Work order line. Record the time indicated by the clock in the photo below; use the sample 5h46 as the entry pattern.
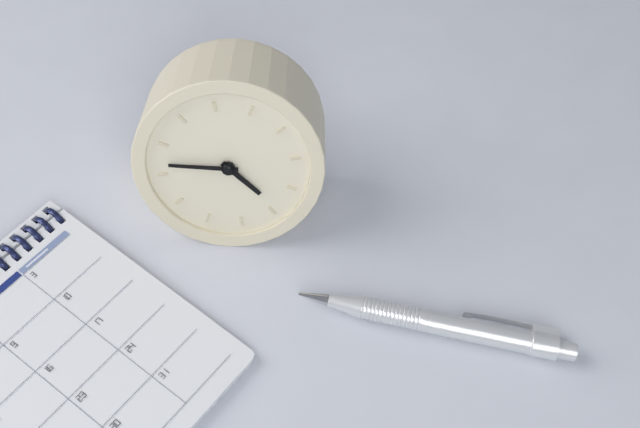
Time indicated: 4h47
